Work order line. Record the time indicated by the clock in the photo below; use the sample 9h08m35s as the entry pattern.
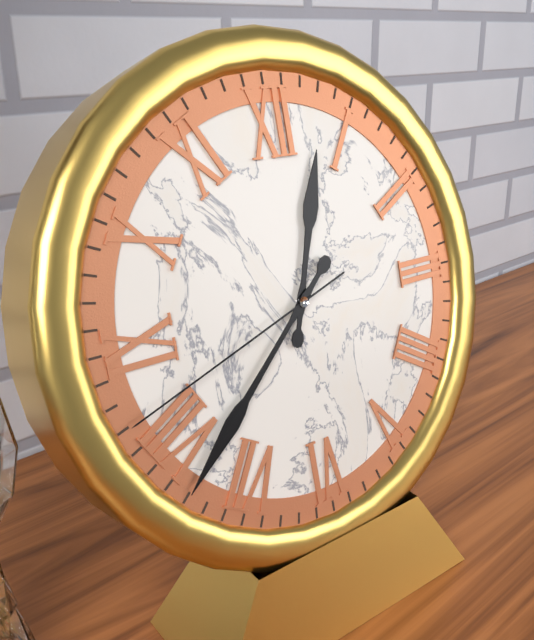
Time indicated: 12h38m42s
